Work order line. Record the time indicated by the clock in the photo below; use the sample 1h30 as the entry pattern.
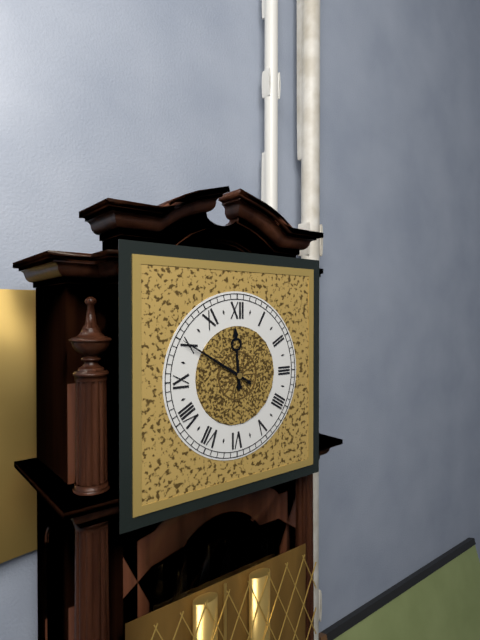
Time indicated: 11h50
